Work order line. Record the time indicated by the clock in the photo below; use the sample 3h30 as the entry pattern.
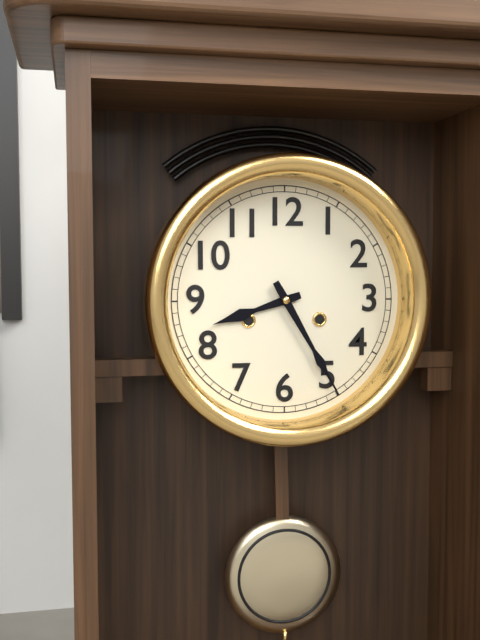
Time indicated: 8h25
